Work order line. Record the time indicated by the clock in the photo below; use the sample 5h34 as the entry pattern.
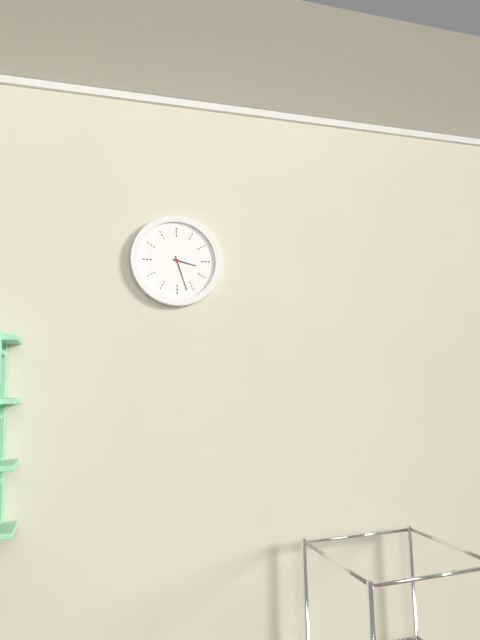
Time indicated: 3h27
